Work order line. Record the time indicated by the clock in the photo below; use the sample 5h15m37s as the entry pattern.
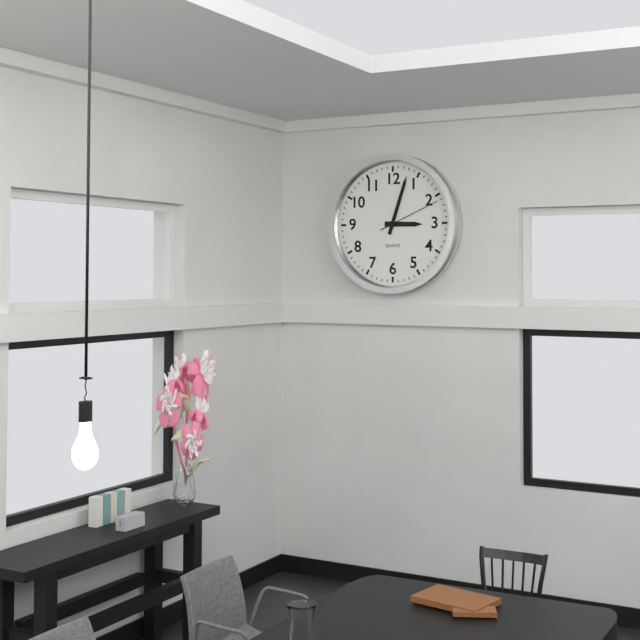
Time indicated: 3h03m11s
